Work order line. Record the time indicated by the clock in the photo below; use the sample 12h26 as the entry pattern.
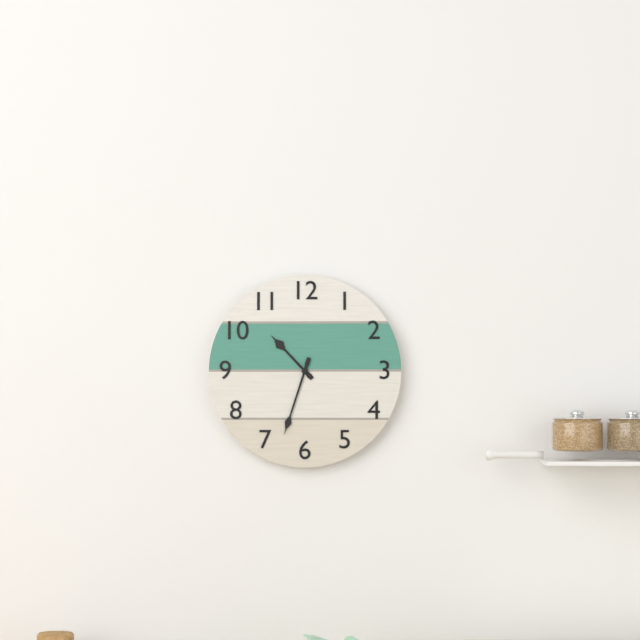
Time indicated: 10h33
